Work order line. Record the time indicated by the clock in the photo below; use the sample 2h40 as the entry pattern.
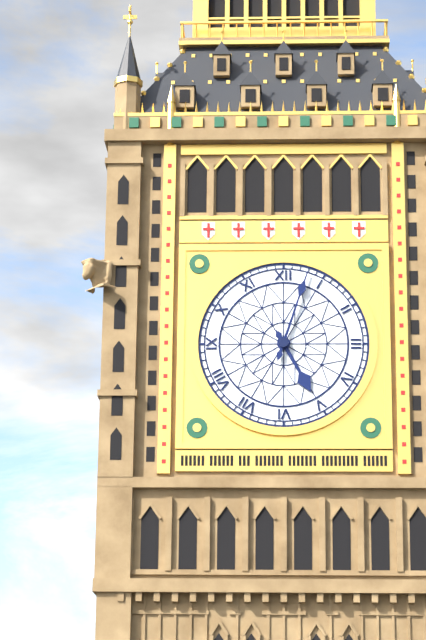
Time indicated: 5h03
